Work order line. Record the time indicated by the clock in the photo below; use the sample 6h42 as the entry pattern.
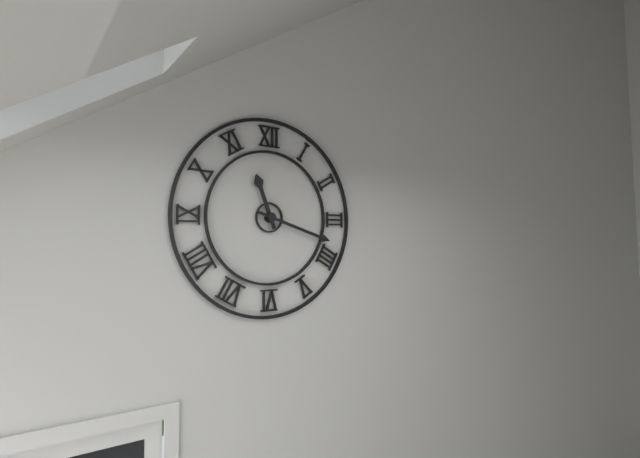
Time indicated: 11h18
